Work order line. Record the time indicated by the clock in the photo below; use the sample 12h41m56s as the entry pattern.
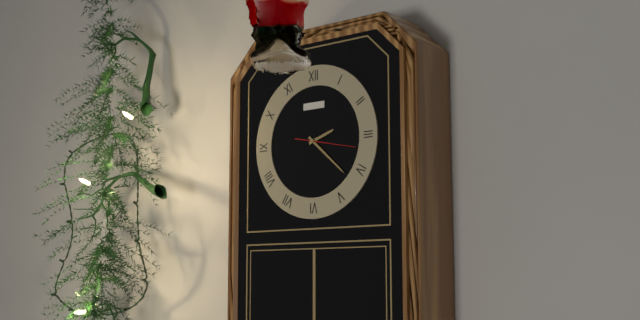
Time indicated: 2h22m17s
